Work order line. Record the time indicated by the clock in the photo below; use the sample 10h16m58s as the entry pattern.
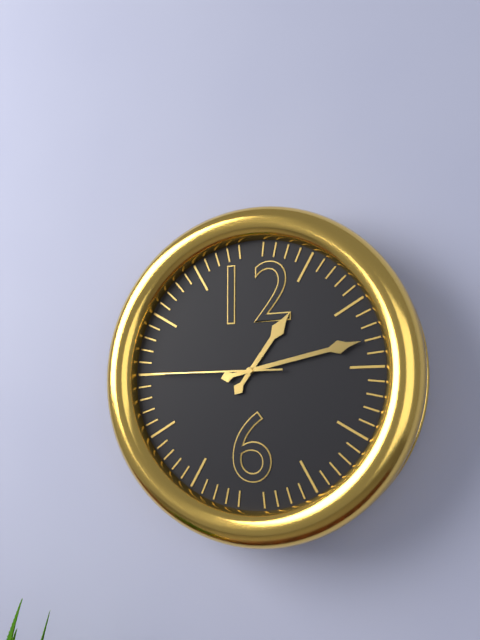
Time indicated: 1h13m45s
